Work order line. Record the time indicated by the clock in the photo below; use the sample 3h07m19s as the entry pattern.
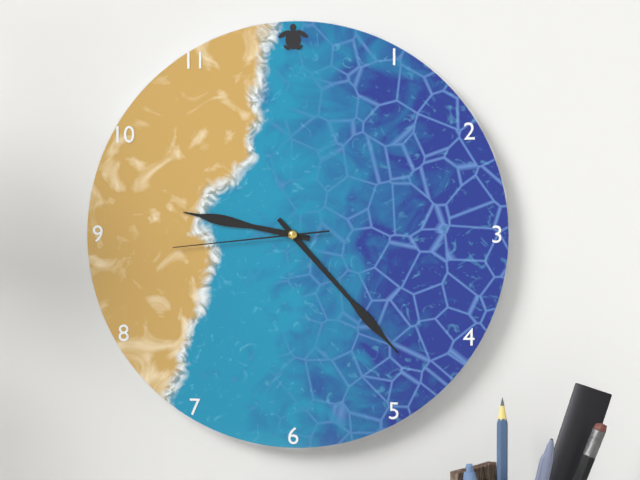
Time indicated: 9h23m44s
